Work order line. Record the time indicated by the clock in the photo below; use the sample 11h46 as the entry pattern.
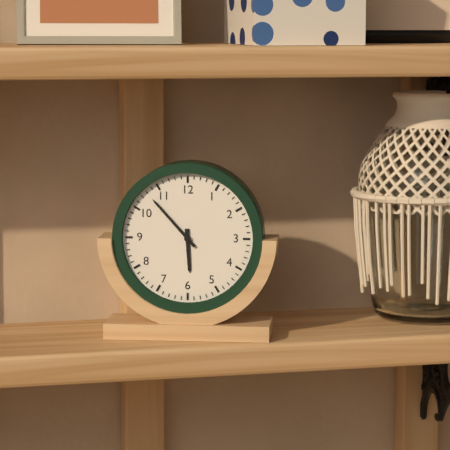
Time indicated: 5h53
